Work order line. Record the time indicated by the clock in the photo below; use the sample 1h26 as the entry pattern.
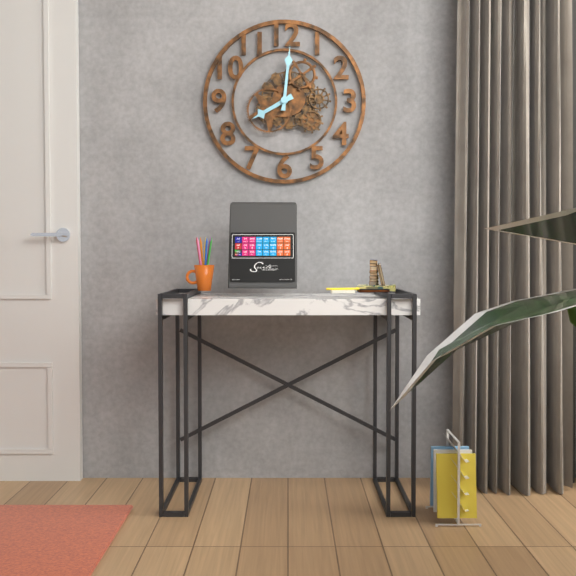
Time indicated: 8h01
